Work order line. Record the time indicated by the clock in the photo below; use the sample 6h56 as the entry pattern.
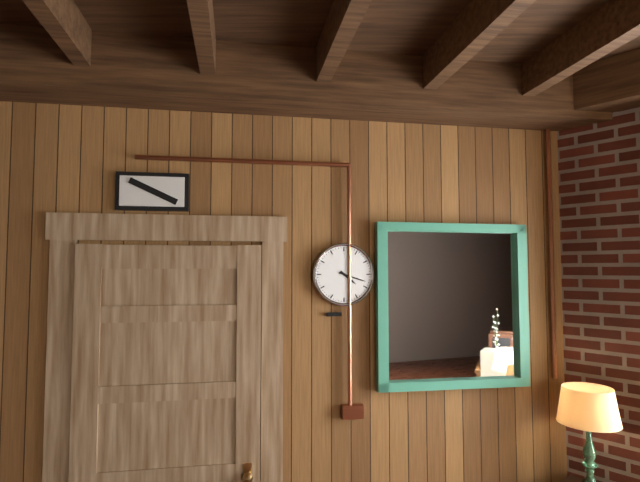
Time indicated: 4h18
